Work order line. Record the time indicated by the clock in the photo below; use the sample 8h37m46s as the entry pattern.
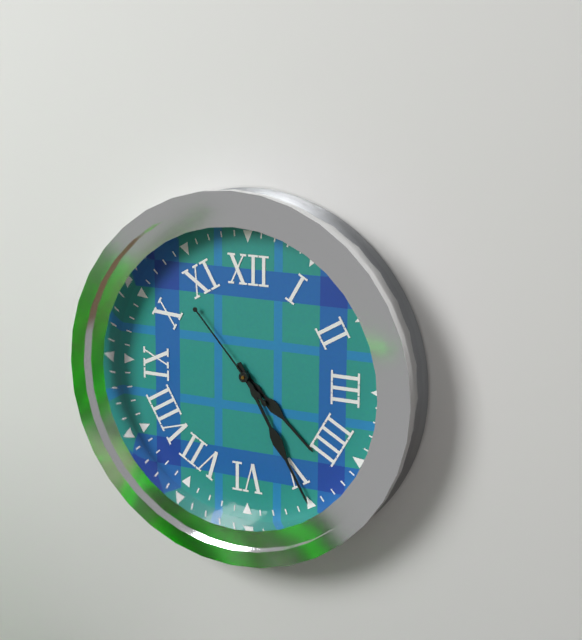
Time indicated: 4h25m53s
